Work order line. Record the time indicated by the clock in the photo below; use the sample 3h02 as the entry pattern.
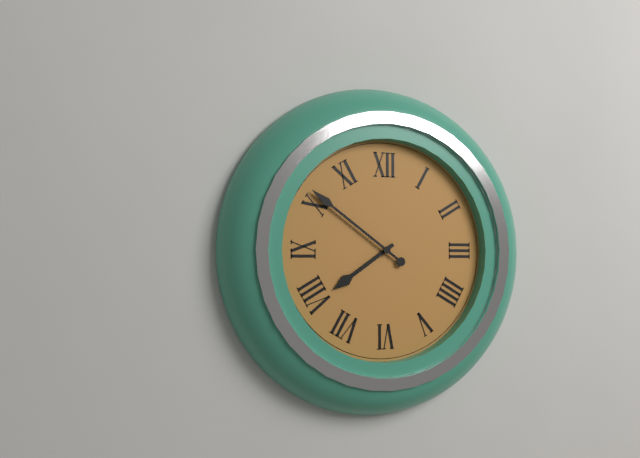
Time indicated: 7h51
